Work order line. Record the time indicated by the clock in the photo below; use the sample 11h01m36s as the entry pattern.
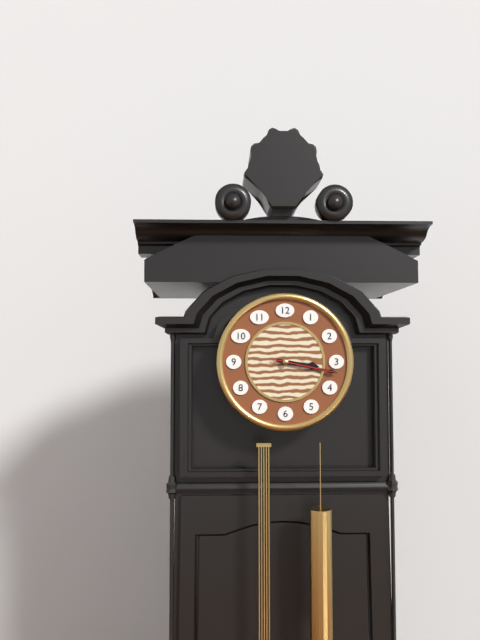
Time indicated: 3h17m17s
